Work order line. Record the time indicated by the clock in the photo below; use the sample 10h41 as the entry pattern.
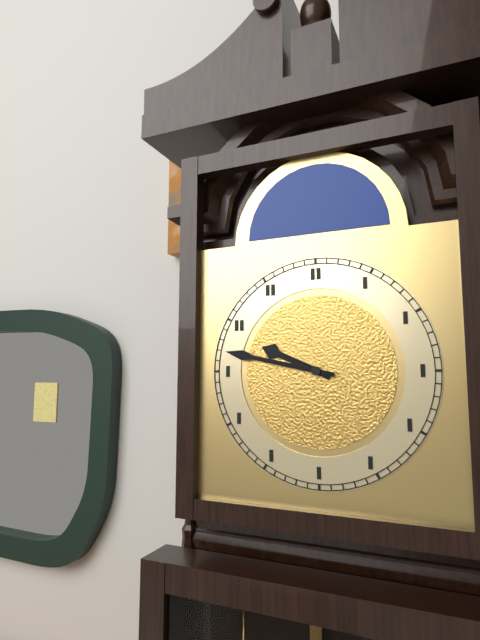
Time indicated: 9h47
